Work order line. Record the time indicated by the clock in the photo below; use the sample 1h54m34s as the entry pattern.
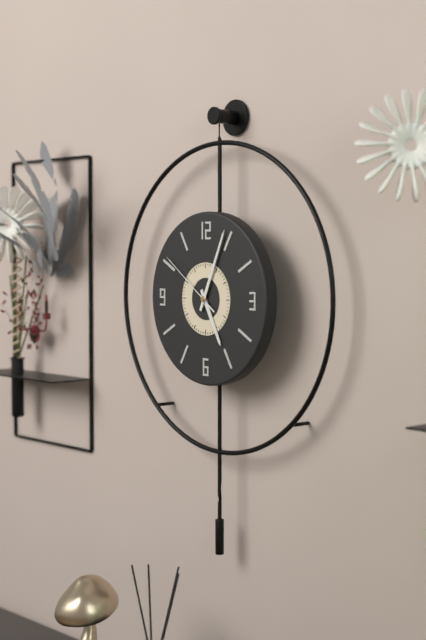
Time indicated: 5h04m51s
